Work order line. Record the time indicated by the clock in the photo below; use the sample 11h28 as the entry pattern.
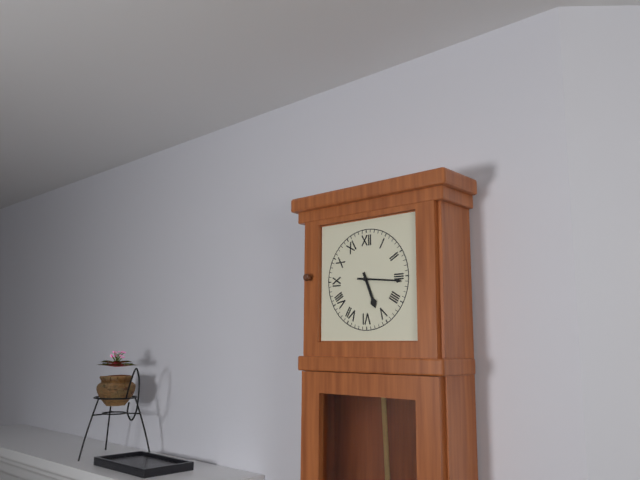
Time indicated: 5h16
